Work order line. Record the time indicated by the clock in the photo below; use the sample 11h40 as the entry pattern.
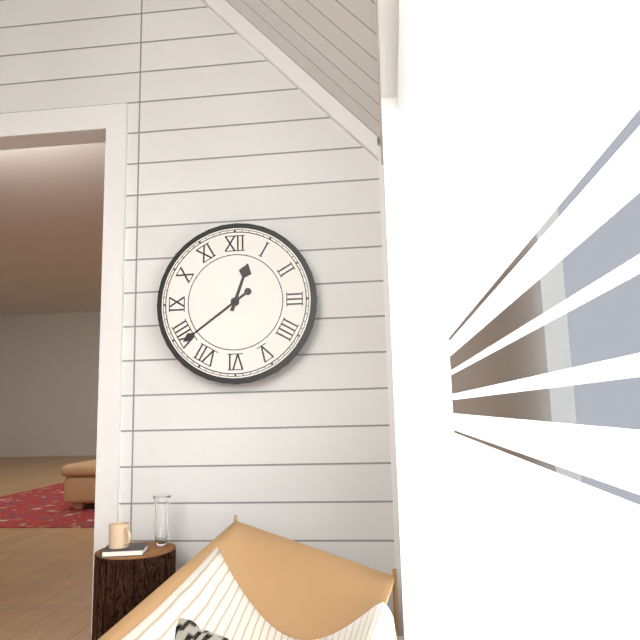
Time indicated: 12h39
